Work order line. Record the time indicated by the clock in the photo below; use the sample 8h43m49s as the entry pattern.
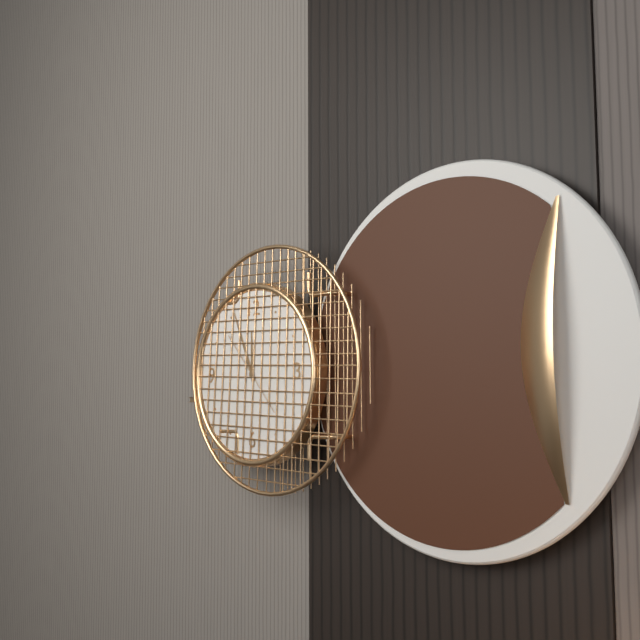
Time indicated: 11h56m53s
